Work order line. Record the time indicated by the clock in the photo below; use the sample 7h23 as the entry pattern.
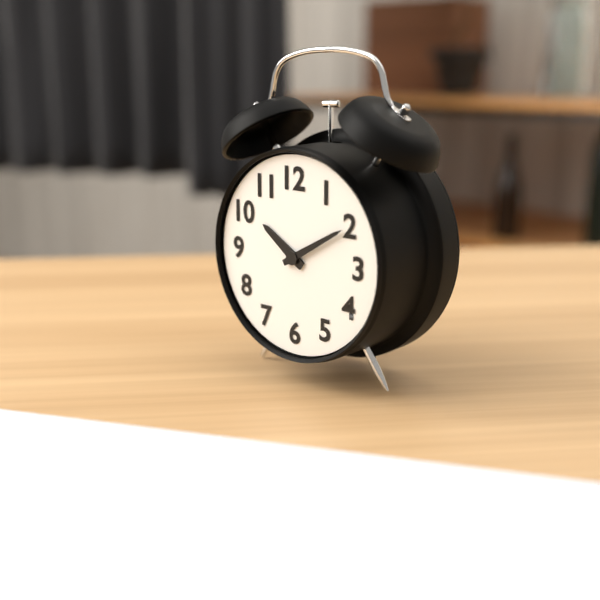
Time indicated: 10h10
